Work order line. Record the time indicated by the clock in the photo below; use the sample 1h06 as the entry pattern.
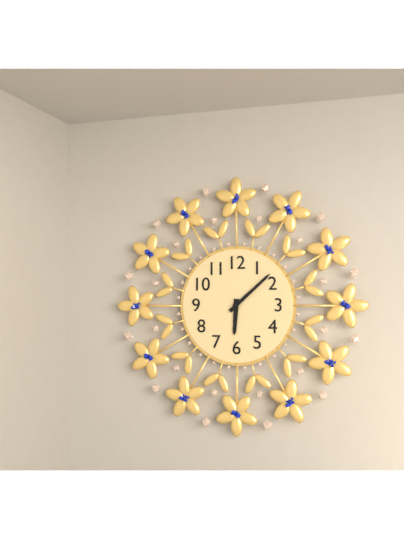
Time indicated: 6h08
